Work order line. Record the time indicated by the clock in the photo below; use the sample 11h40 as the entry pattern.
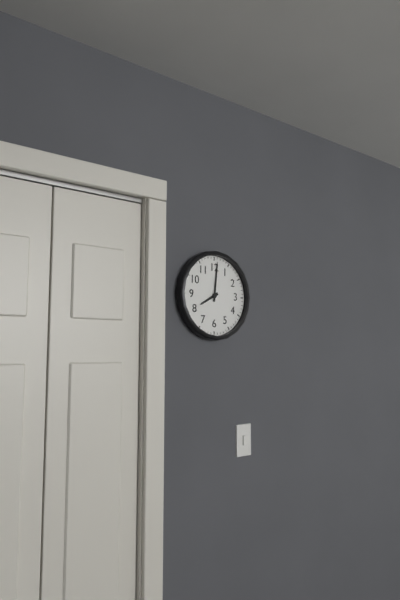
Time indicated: 8h01
